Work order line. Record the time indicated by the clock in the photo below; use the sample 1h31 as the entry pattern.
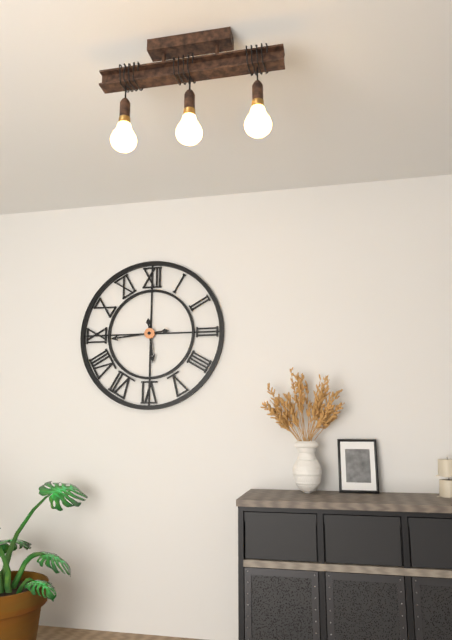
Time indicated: 5h44
